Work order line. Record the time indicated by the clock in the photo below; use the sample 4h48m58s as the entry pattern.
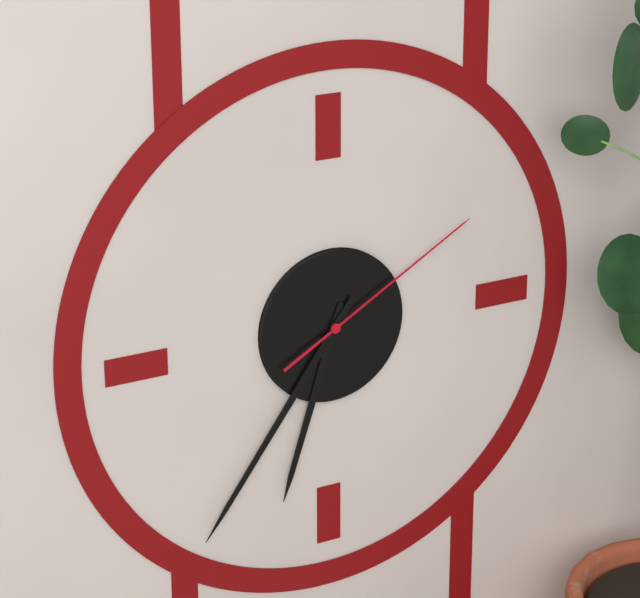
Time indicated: 6h36m10s
